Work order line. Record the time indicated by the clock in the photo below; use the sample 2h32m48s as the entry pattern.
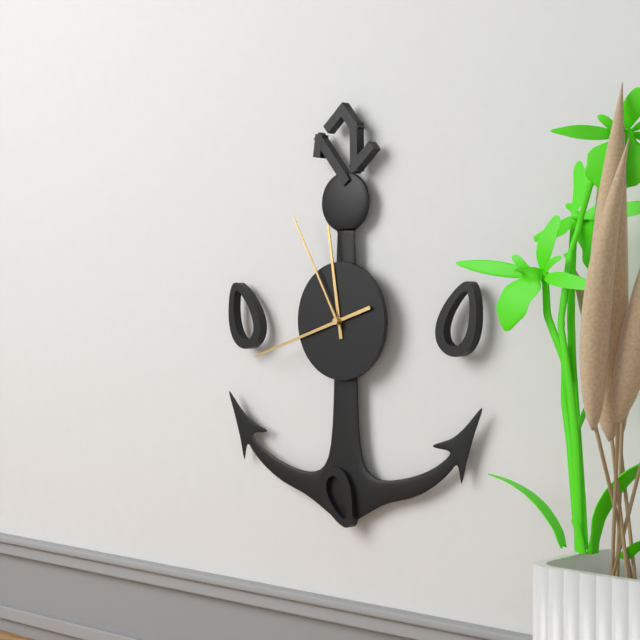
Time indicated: 11h42m55s
